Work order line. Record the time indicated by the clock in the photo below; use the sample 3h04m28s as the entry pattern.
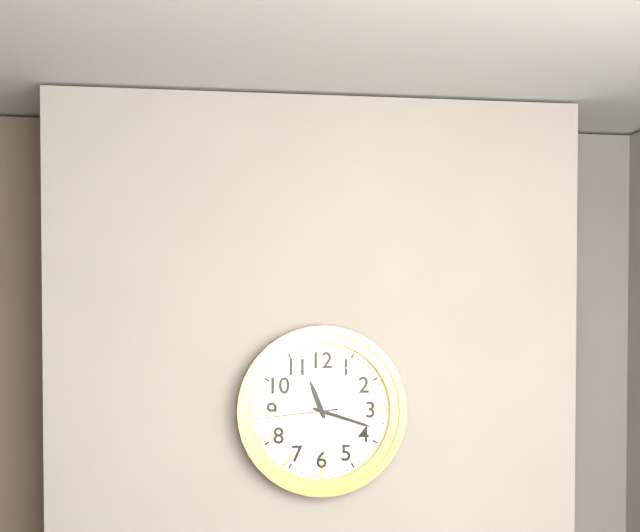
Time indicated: 11h18m44s
